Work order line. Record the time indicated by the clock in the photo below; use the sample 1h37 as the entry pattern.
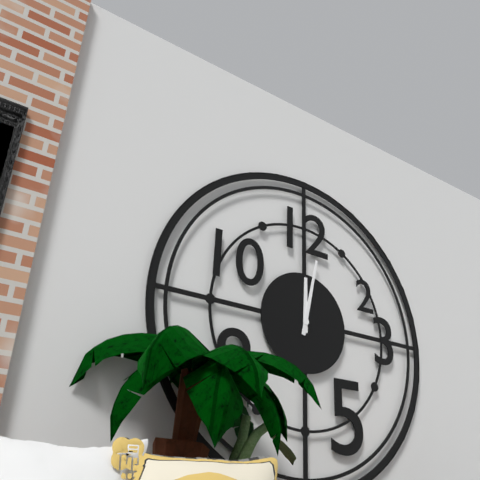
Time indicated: 12h02
